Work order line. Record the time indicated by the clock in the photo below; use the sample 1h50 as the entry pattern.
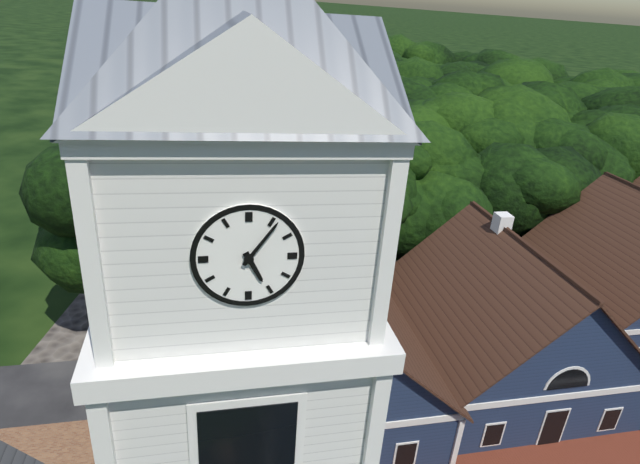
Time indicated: 5h06
